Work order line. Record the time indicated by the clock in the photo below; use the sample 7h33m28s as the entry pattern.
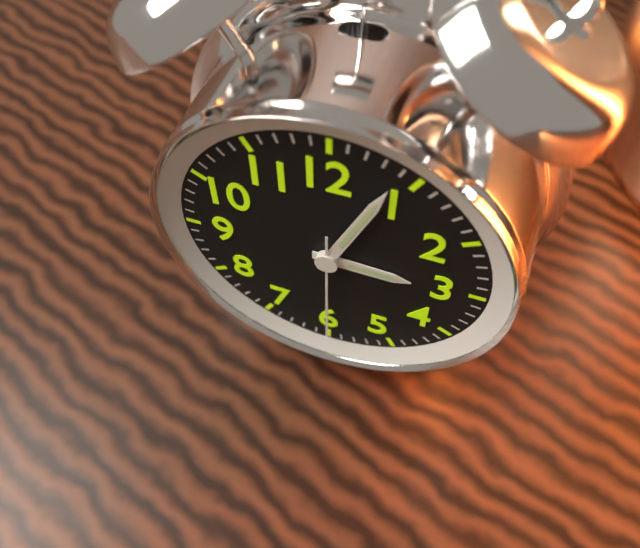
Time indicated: 3h04m30s
